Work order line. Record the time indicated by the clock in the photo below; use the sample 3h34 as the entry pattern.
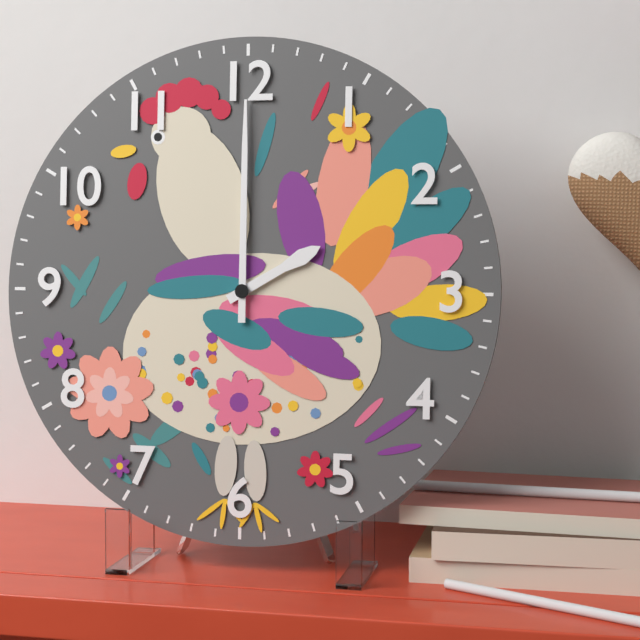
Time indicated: 2h00
